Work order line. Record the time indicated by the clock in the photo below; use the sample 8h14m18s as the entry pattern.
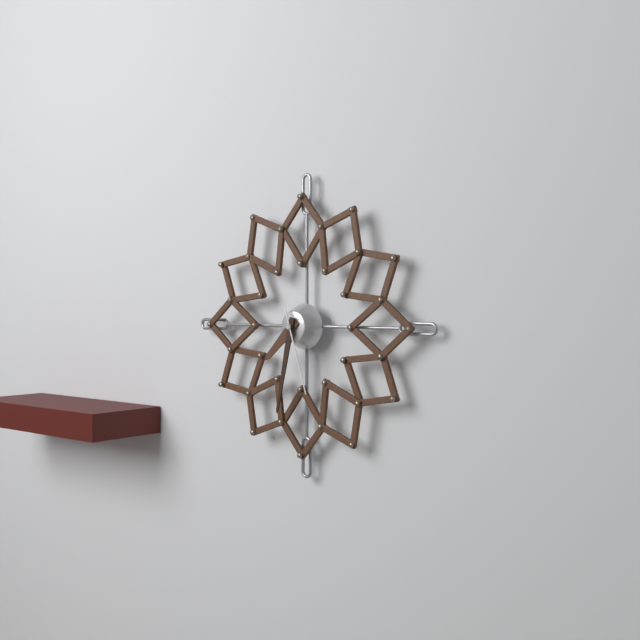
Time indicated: 7h32m27s
